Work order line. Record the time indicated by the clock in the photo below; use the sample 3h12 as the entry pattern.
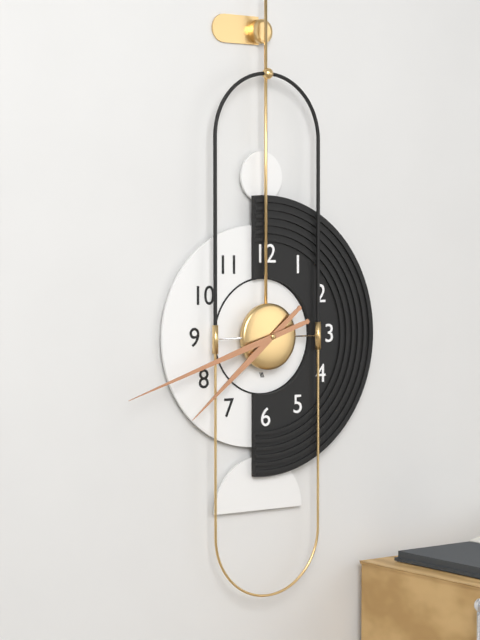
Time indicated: 7h42
